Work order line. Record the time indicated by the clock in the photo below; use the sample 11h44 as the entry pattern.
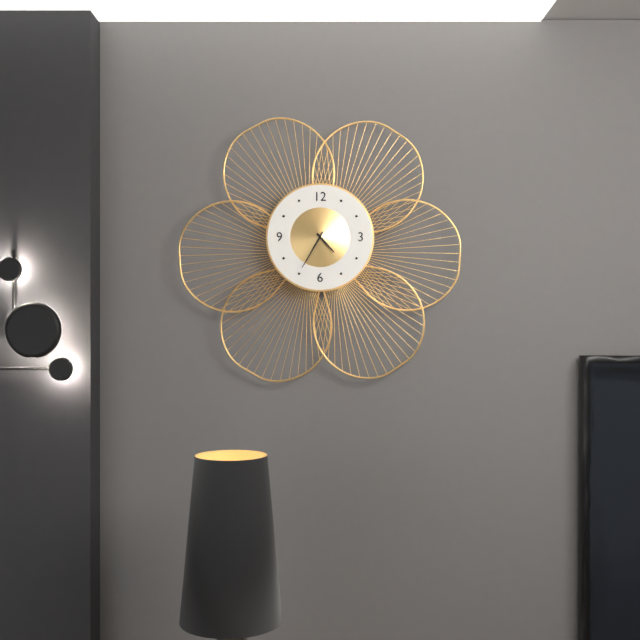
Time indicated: 4h35
